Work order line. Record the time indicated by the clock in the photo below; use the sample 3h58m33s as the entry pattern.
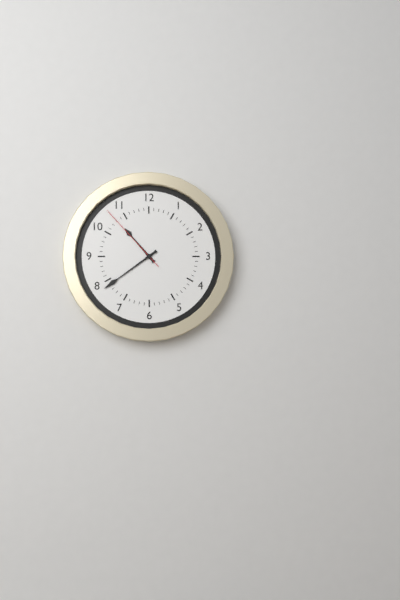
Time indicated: 10h39m53s
